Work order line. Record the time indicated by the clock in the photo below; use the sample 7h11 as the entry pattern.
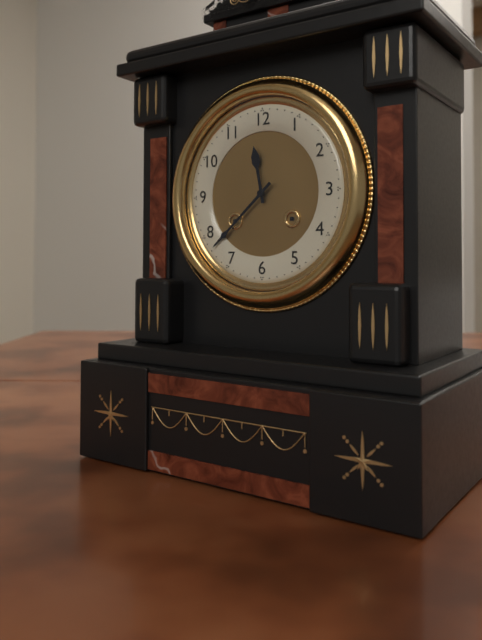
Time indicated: 11h38
